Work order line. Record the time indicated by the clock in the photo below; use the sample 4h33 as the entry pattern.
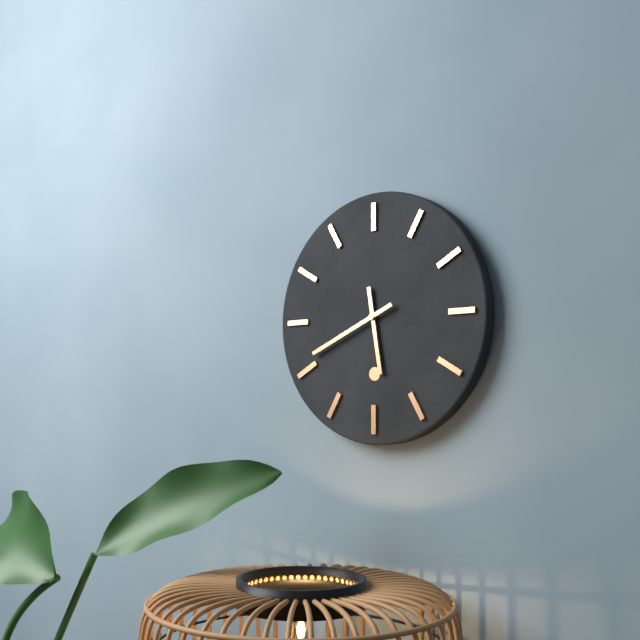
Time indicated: 5h41
